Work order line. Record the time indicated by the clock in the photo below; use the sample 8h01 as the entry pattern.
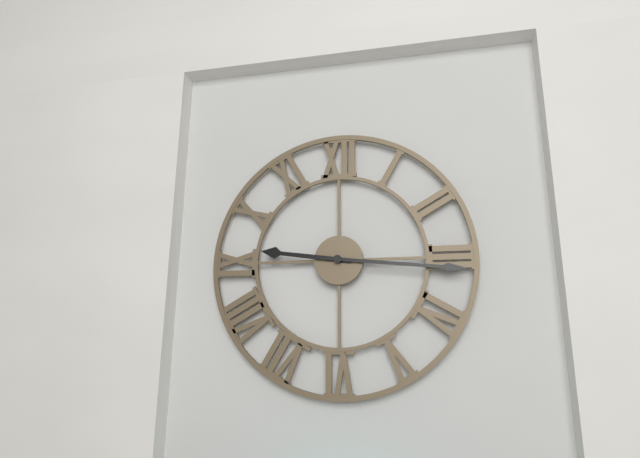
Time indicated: 9h16
